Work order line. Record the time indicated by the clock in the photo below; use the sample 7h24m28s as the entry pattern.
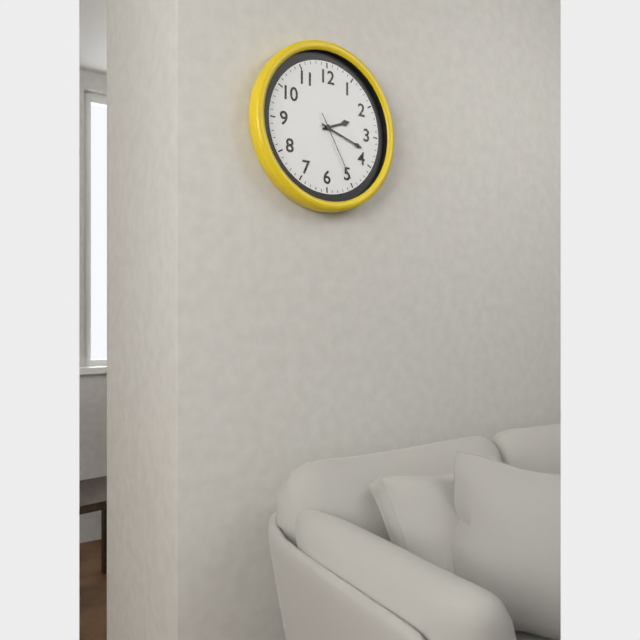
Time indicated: 2h18m25s
